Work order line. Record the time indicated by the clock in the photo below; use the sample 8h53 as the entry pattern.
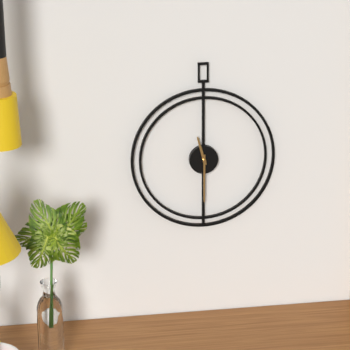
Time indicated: 11h30
